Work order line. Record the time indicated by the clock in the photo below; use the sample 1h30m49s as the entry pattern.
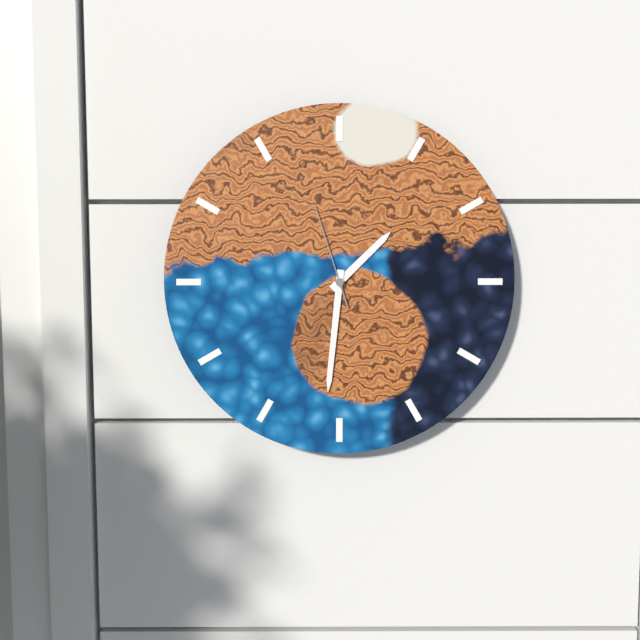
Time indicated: 1h31m57s
